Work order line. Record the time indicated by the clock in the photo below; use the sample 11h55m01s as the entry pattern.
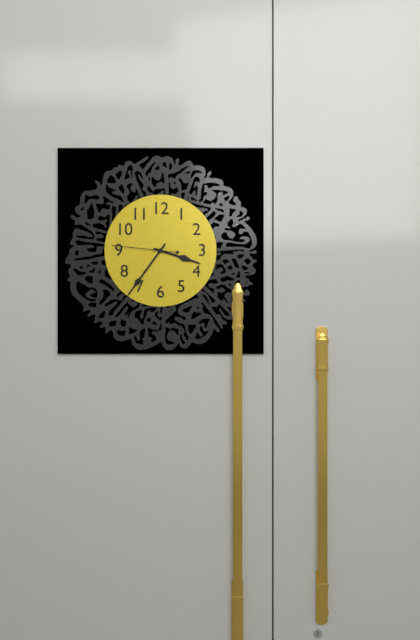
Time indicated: 3h36m46s
